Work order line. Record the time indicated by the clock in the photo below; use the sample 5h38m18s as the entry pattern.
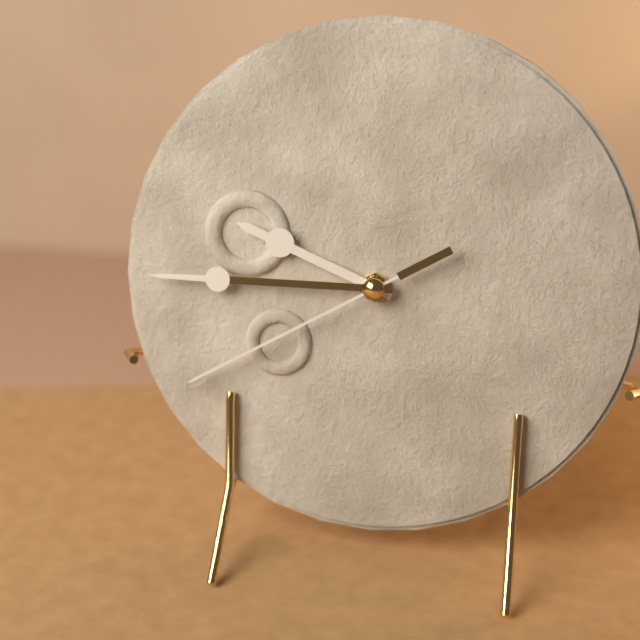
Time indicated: 9h45m40s
